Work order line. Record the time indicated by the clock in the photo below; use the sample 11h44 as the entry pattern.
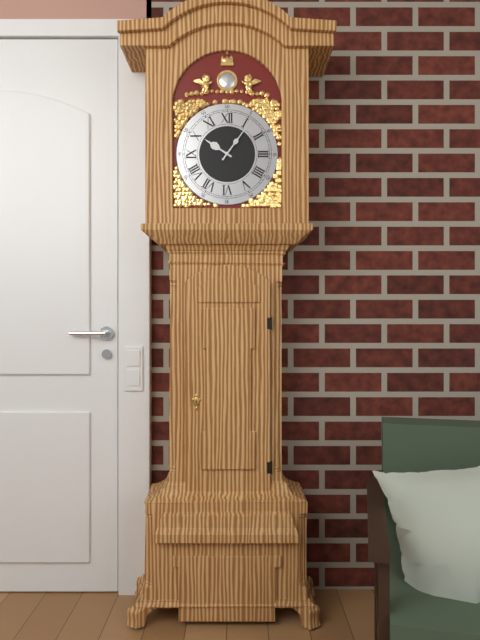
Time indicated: 10h06
